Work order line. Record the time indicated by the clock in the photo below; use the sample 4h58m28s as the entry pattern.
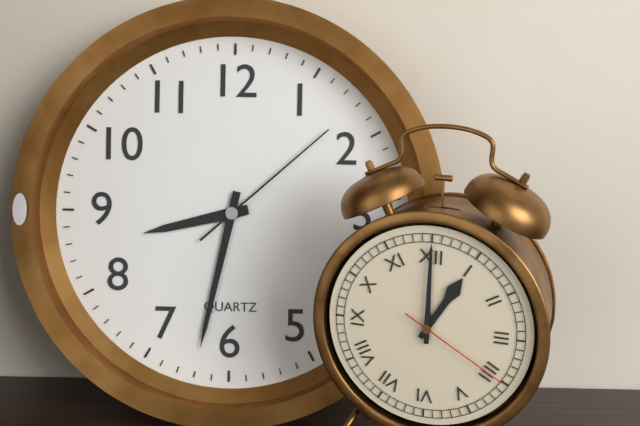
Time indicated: 8h32m08s
